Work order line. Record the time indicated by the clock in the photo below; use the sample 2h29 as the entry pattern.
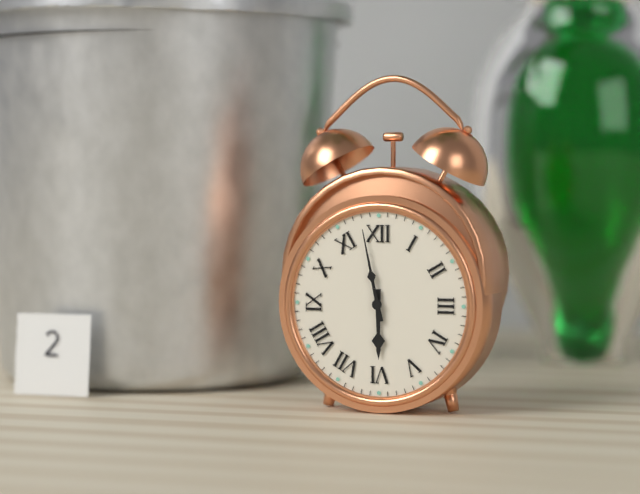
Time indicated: 5h58
